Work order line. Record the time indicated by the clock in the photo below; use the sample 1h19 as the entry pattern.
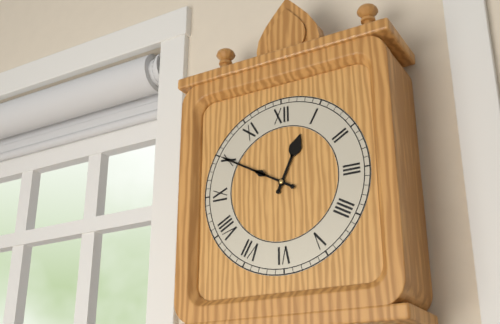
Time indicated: 12h50
